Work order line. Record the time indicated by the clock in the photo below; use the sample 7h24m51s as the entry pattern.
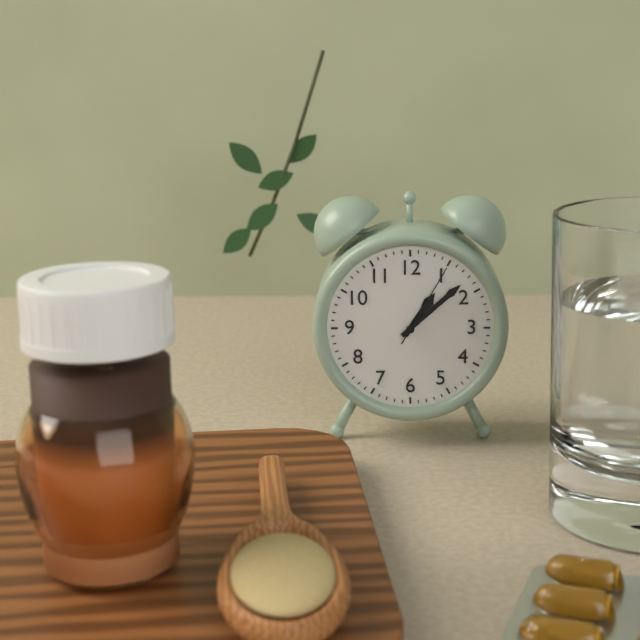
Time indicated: 1h08m05s
